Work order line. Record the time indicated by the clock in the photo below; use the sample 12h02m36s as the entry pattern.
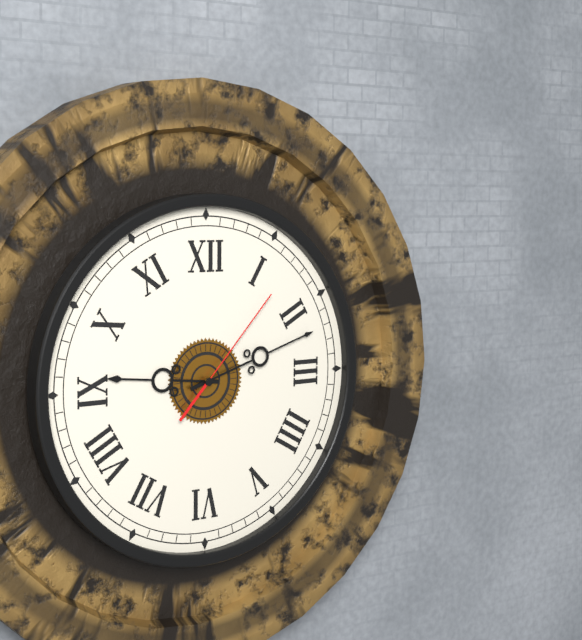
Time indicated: 9h12m07s
